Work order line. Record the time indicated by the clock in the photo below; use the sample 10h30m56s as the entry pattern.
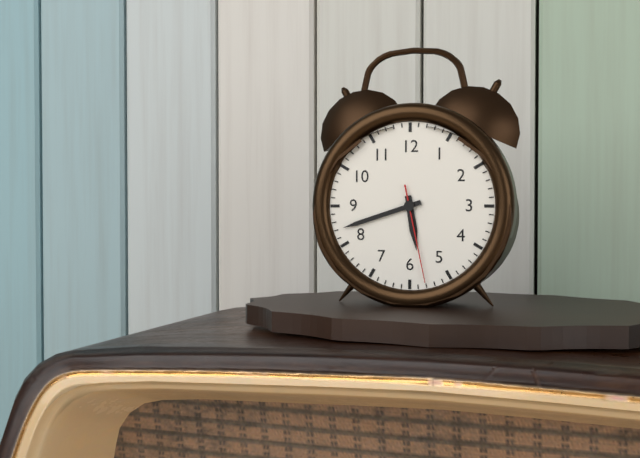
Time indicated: 5h42m28s
